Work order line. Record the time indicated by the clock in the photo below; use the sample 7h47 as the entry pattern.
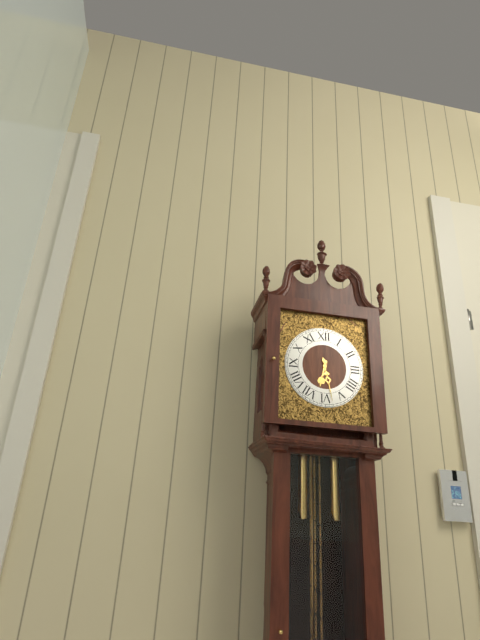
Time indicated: 6h28
